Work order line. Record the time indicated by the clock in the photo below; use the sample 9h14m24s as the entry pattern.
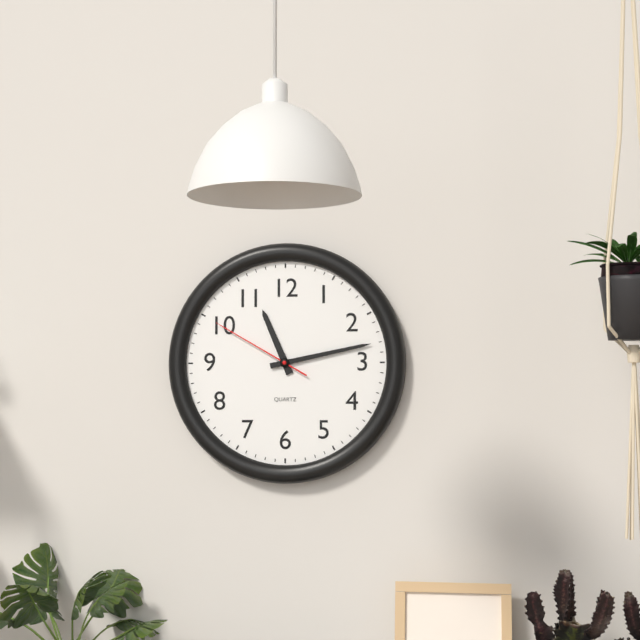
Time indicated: 11h13m50s
